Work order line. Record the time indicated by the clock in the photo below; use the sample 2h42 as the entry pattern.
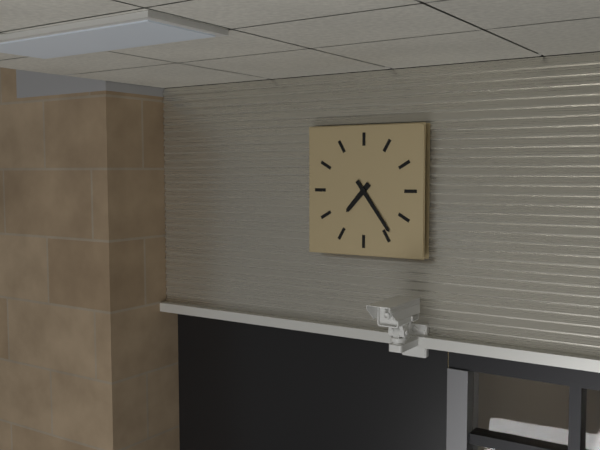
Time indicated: 7h24
